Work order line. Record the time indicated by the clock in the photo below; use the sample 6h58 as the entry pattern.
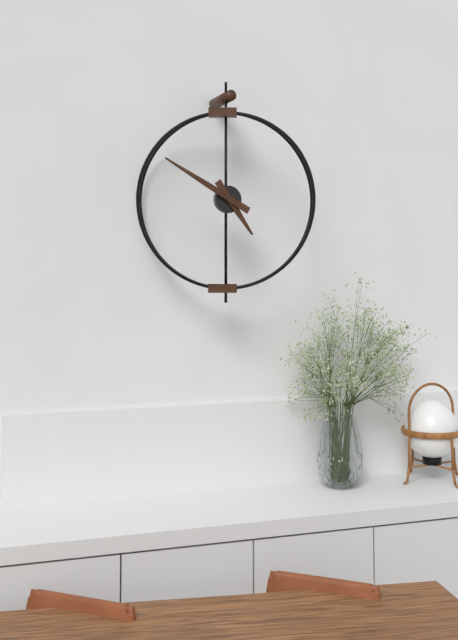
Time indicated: 4h50
